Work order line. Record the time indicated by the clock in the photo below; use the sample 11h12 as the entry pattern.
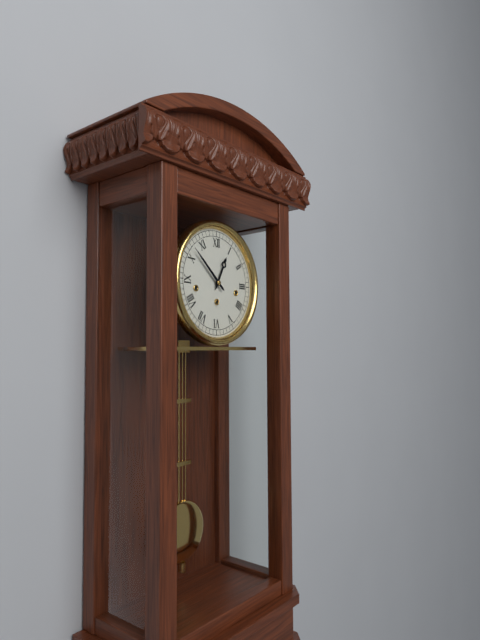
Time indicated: 12h52
